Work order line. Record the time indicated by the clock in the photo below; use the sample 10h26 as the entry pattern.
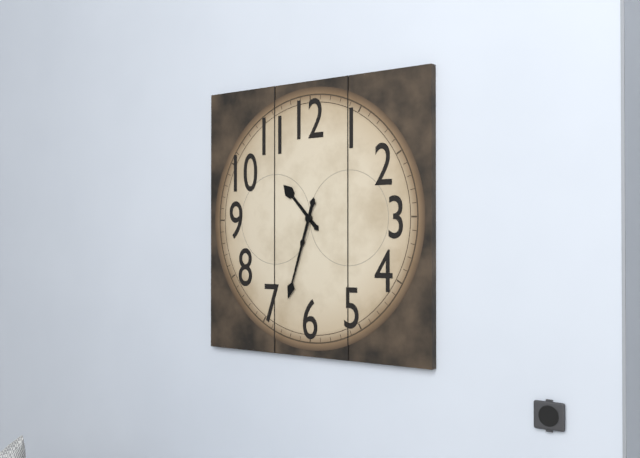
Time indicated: 10h33
